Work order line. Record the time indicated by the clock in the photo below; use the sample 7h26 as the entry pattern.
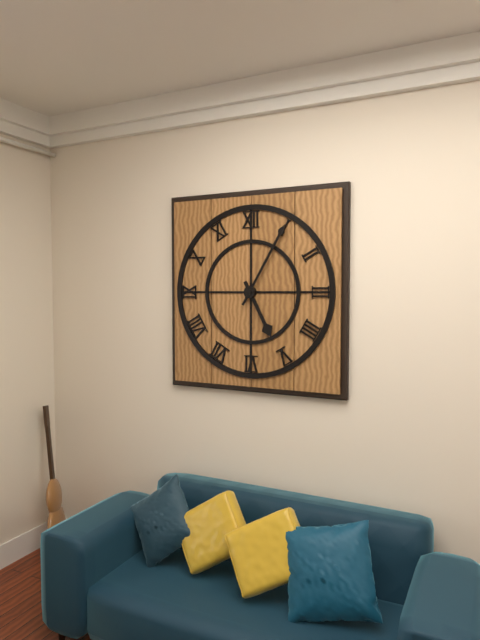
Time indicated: 5h05
